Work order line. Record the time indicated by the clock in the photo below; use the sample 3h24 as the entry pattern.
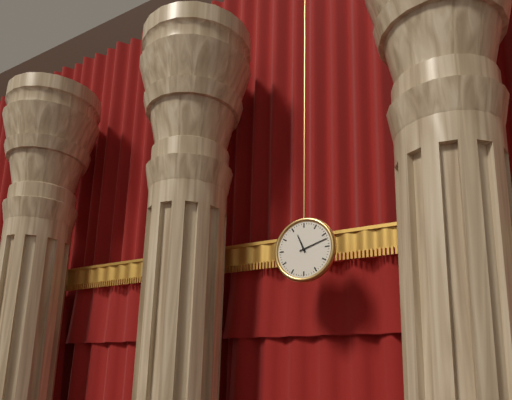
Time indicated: 11h12
